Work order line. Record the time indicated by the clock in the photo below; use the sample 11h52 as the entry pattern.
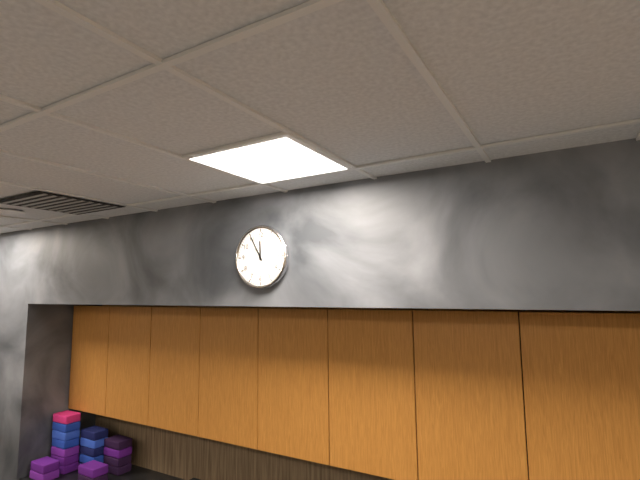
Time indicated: 11h55
